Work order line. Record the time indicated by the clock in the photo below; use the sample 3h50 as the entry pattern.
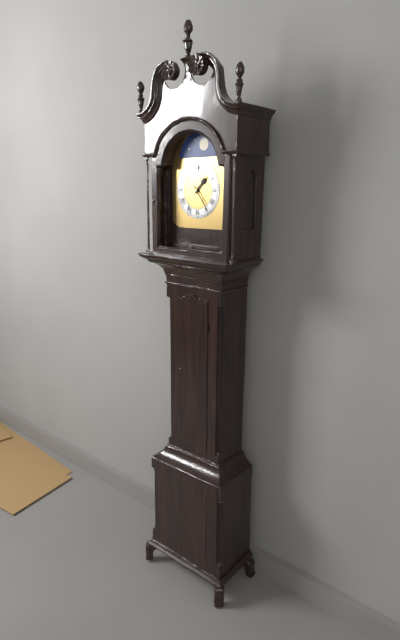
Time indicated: 1h24
